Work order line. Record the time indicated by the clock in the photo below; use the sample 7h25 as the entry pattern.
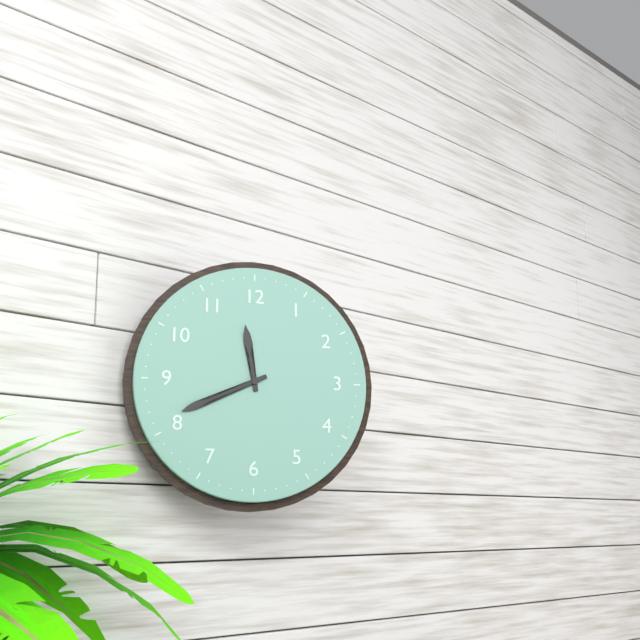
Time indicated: 11h41
